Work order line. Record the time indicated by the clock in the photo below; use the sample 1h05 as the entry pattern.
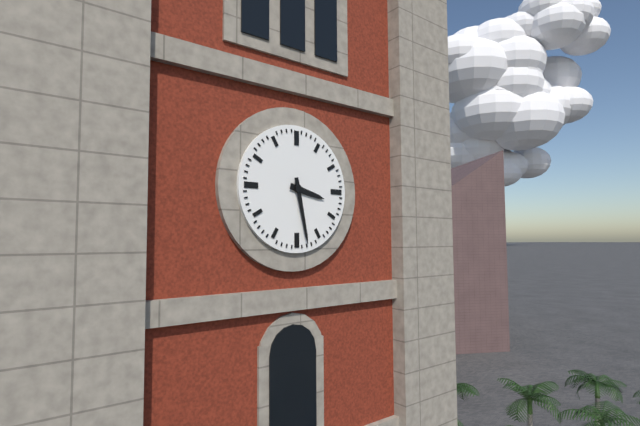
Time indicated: 3h28
